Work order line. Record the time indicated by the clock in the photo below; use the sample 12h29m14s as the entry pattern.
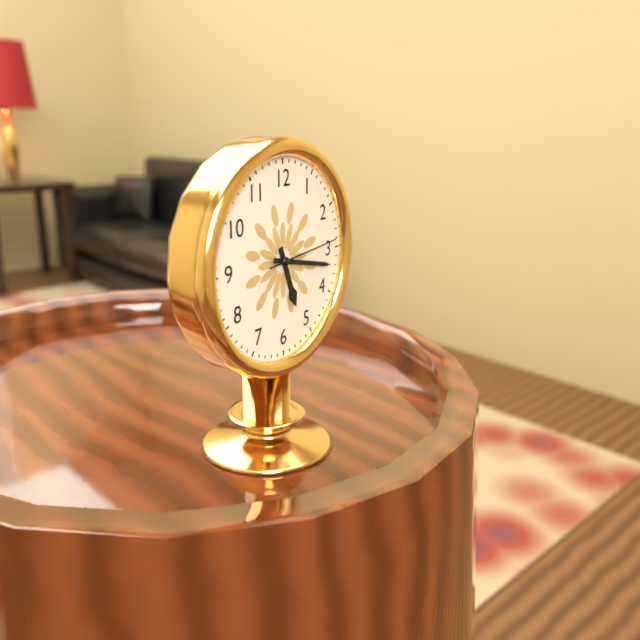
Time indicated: 5h17m14s
